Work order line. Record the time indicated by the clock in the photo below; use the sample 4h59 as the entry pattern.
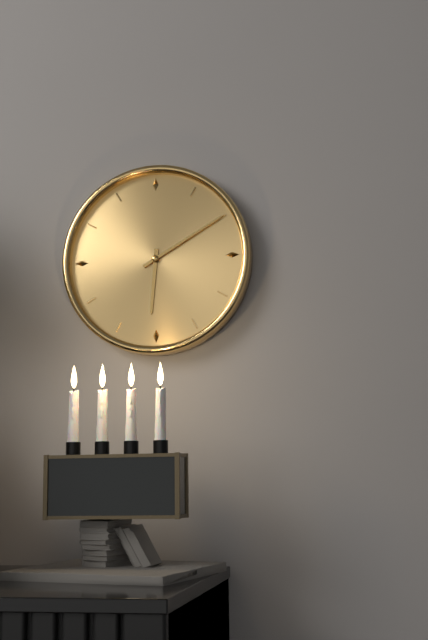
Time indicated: 6h10
